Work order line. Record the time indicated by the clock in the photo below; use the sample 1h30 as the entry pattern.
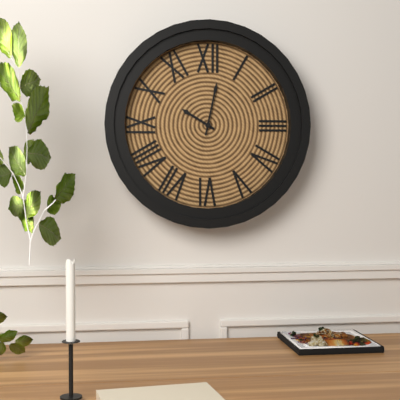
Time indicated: 10h02
